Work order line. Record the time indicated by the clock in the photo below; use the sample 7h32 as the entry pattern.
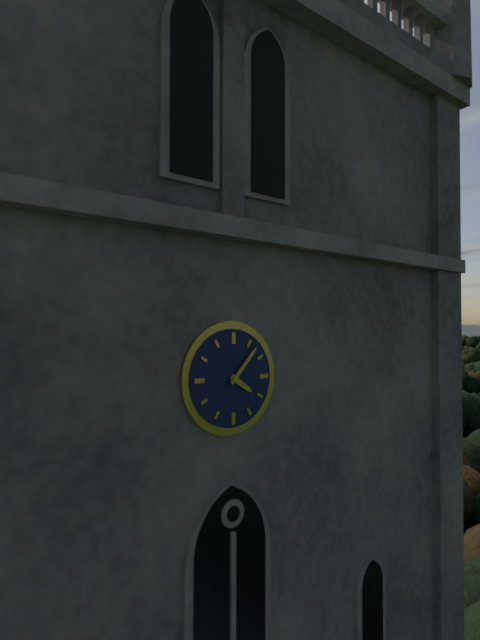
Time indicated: 4h07
